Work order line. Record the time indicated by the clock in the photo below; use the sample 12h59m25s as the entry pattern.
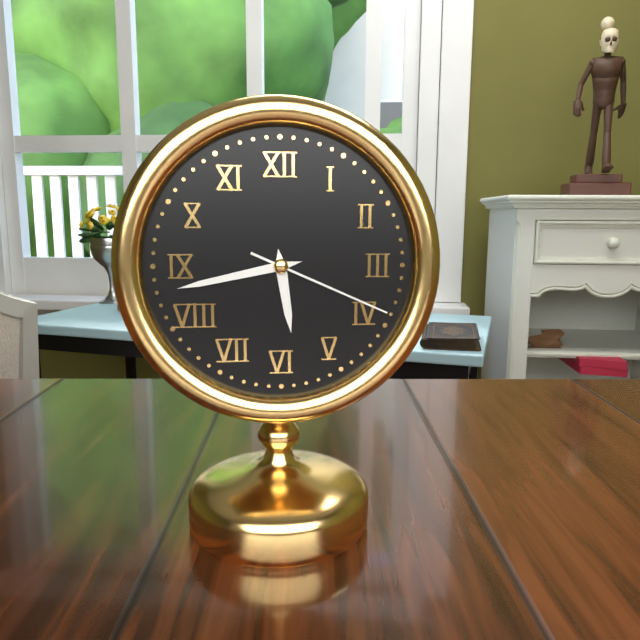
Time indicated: 5h43m19s
